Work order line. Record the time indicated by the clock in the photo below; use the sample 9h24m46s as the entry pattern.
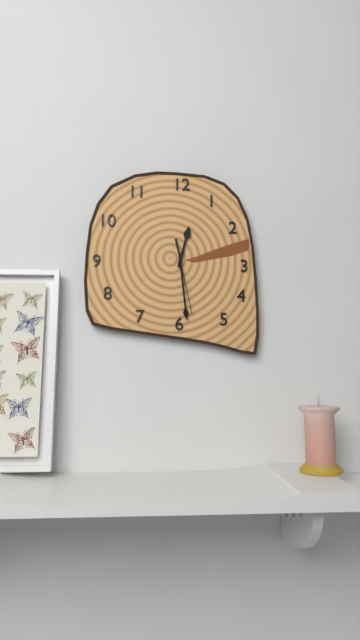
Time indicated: 12h29m28s
